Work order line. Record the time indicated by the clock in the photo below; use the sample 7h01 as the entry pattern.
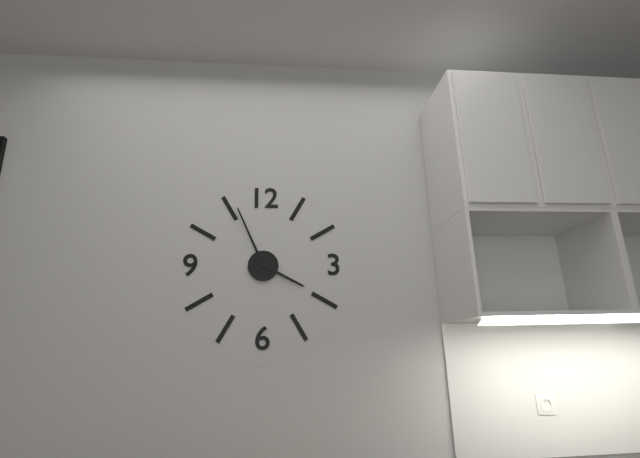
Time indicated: 3h56
